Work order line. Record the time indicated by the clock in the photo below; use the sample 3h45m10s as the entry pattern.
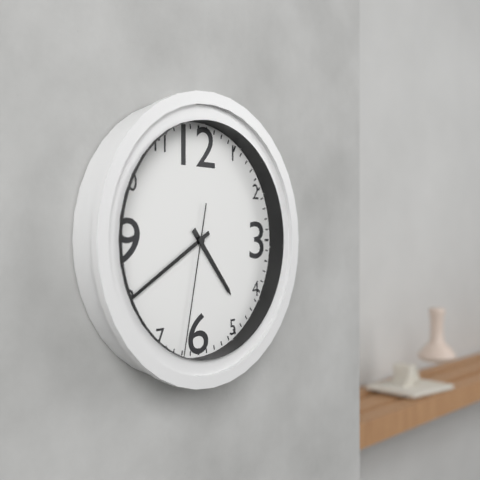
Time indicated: 4h40m32s
